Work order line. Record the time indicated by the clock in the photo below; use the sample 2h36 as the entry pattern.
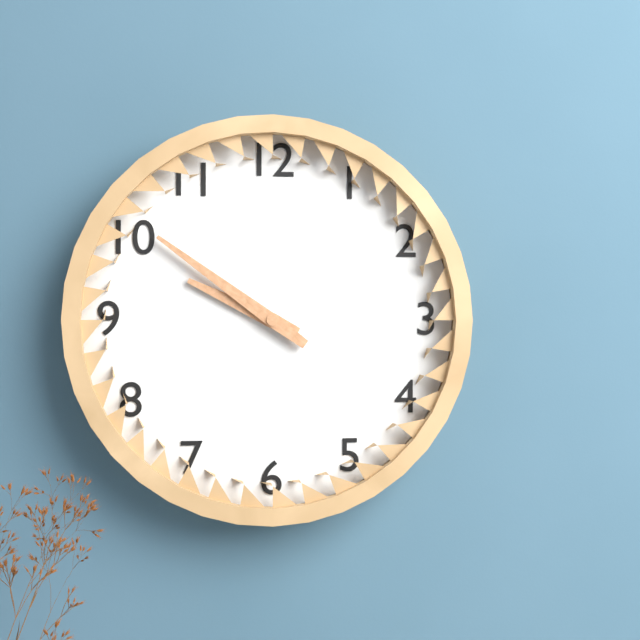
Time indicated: 9h51
